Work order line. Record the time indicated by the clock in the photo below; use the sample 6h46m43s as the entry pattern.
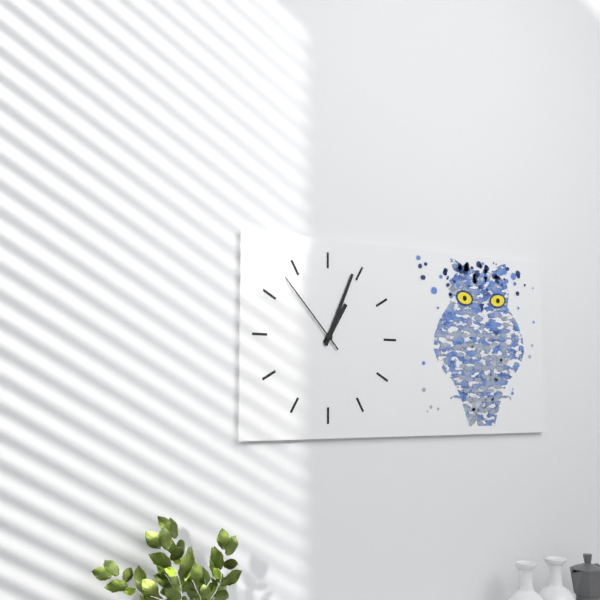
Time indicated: 1h04m53s
